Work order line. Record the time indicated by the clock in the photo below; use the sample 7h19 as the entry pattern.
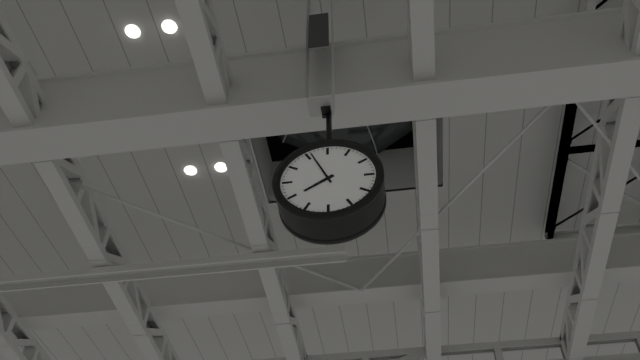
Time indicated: 7h56
